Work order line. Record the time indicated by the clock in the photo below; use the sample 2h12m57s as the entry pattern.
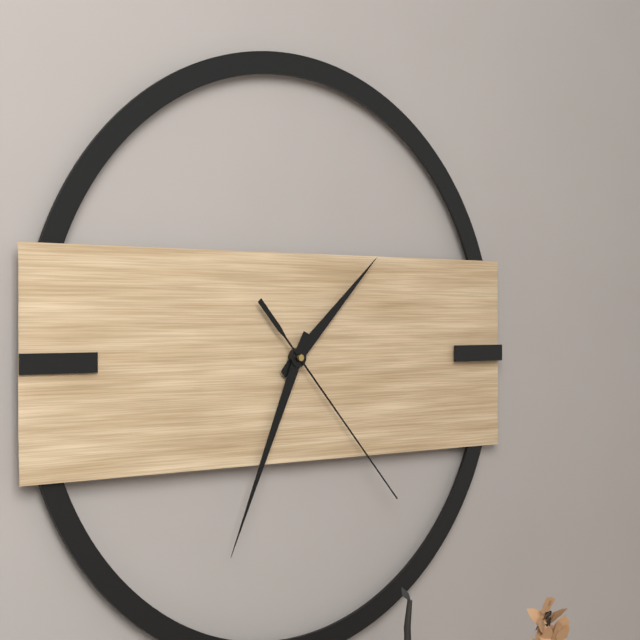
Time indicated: 1h34m23s
